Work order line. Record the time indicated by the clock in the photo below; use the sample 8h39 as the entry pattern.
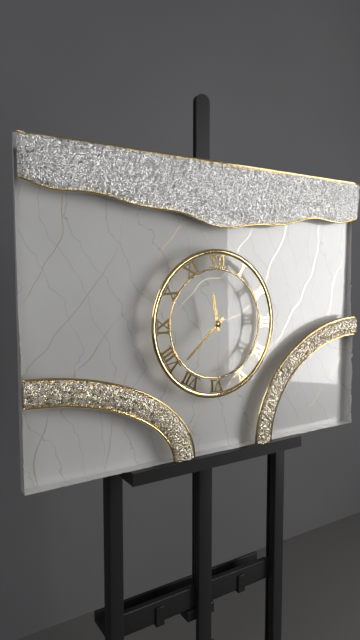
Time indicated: 11h38
